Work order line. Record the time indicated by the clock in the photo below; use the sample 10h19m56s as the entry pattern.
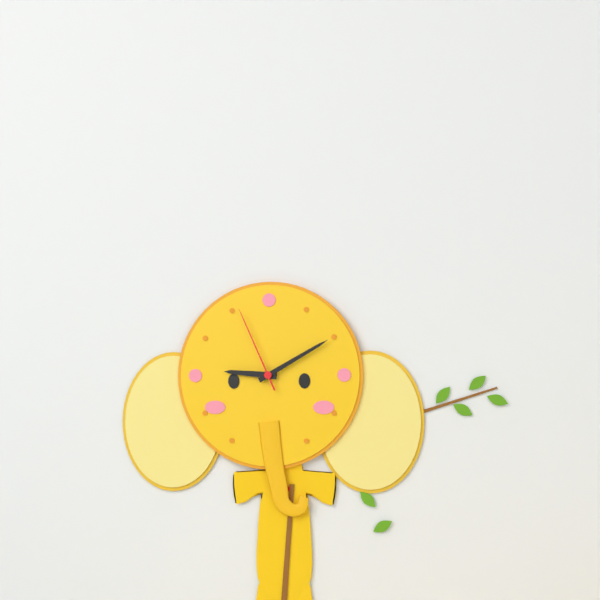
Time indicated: 9h10m56s
